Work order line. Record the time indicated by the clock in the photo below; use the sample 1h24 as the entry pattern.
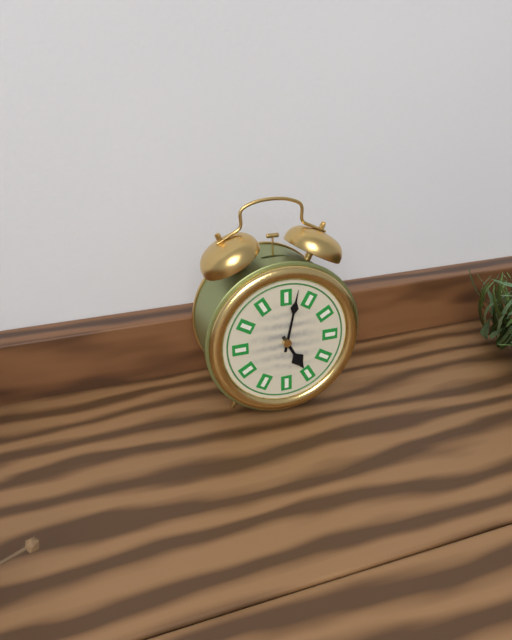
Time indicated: 5h02
